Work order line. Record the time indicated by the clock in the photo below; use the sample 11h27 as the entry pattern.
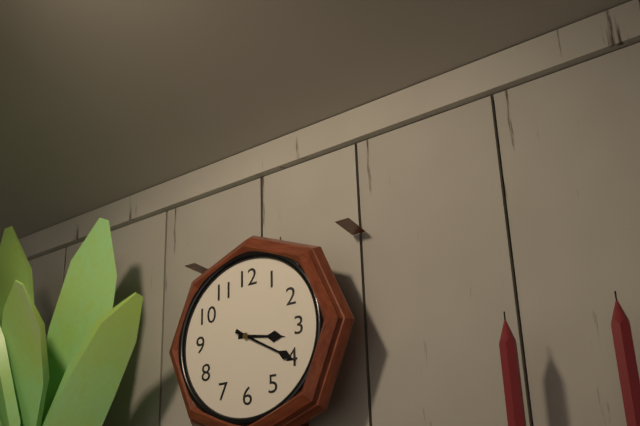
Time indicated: 3h20
